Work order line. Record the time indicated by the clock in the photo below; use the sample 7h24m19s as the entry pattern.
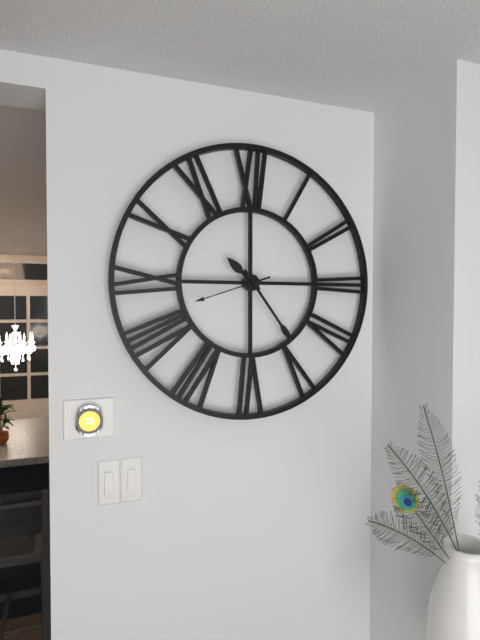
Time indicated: 10h24m42s
